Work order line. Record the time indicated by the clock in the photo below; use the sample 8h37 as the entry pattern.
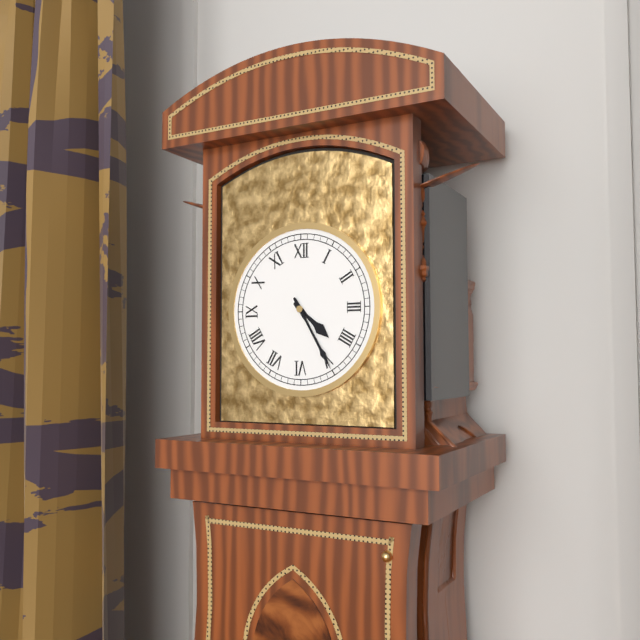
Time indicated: 4h25
